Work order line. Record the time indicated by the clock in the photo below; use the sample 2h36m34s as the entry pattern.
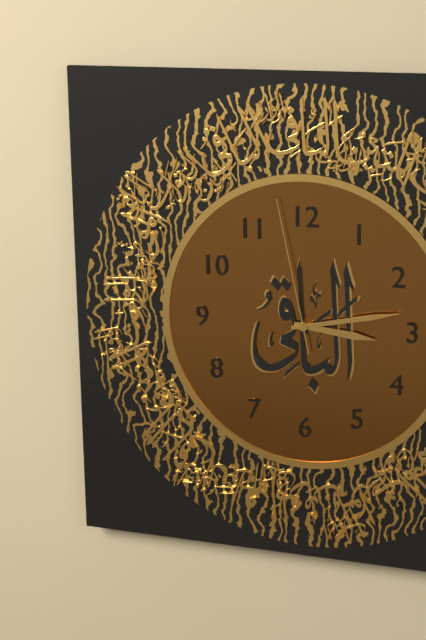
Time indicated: 3h13m58s
